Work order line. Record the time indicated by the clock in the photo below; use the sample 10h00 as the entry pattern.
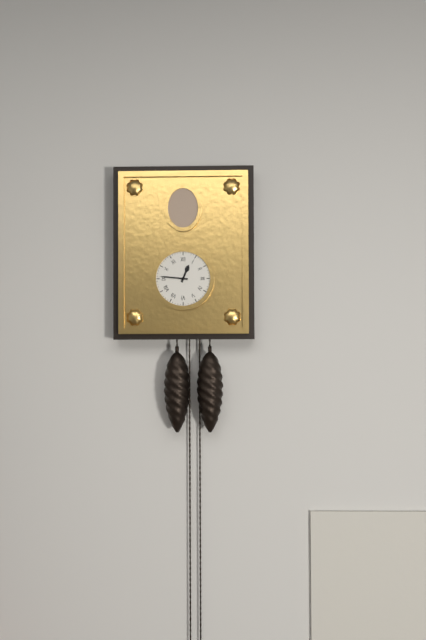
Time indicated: 12h46
